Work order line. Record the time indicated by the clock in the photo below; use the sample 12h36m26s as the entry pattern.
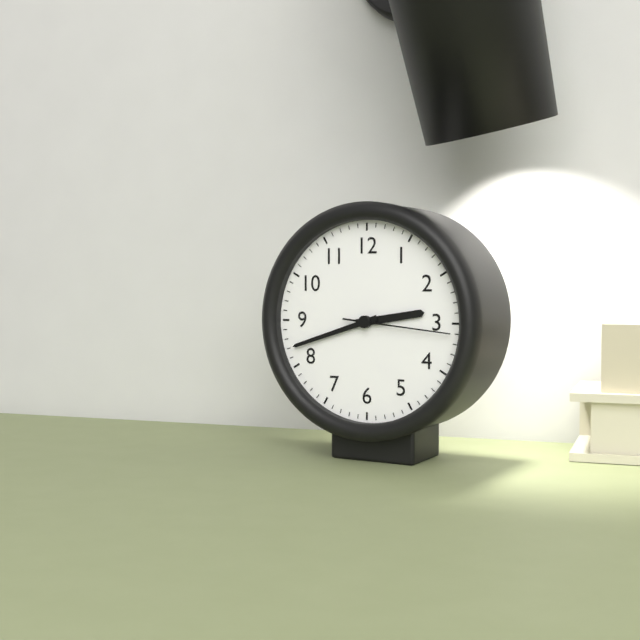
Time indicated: 2h42m16s
